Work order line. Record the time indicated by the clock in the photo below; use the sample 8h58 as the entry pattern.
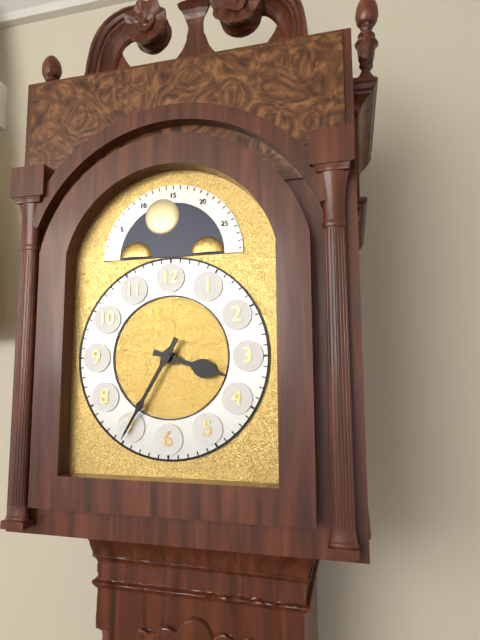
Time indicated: 3h35
